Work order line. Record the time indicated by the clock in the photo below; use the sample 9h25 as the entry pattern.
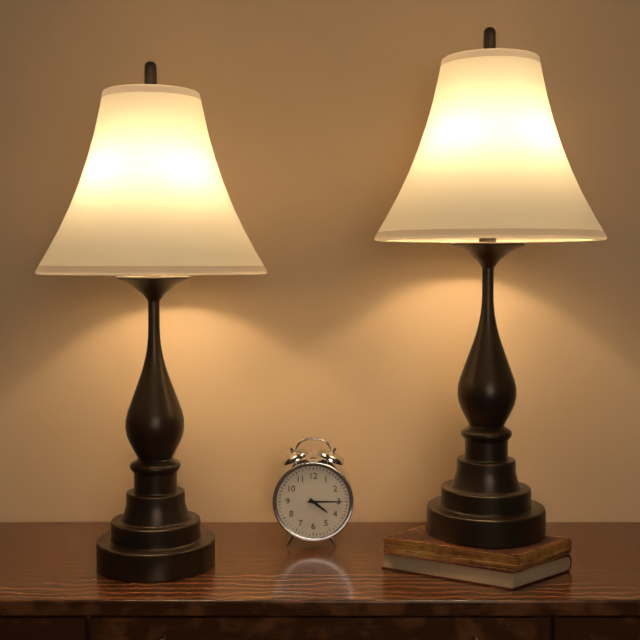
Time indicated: 4h15
